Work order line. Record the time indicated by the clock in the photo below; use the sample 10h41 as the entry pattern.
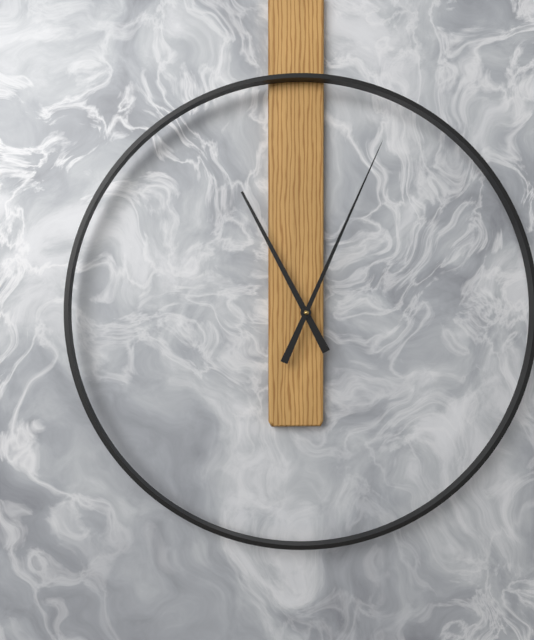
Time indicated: 11h04
